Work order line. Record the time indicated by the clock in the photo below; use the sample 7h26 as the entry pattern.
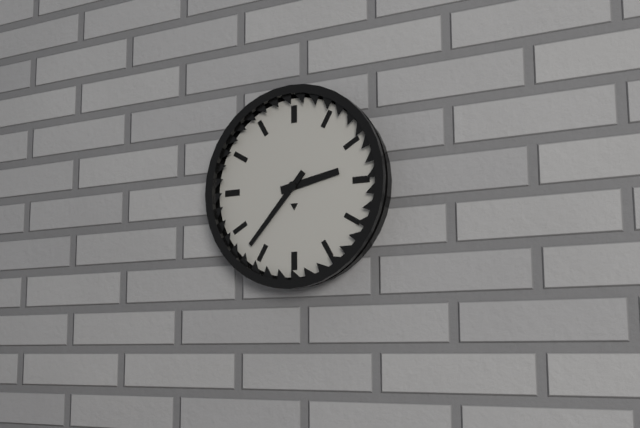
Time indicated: 2h37
